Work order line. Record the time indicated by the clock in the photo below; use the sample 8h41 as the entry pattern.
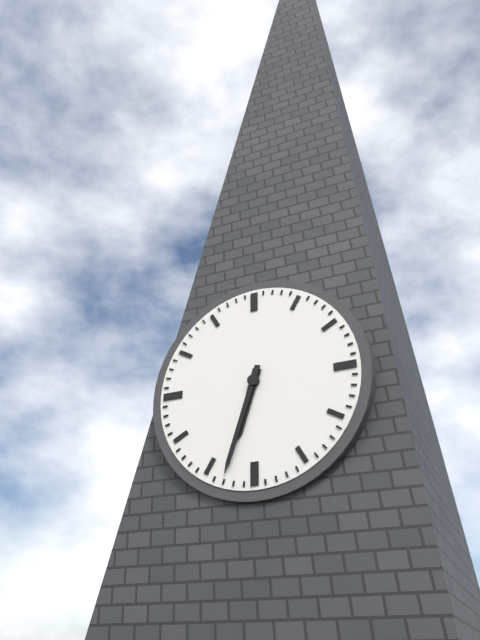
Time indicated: 6h33
